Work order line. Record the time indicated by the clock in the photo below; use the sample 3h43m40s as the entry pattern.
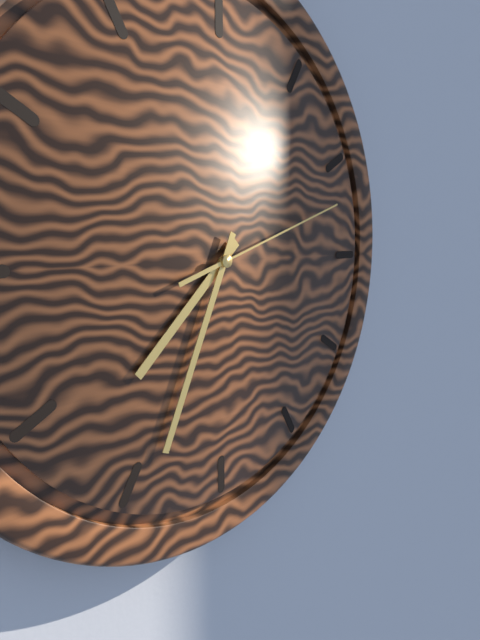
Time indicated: 7h34m12s
